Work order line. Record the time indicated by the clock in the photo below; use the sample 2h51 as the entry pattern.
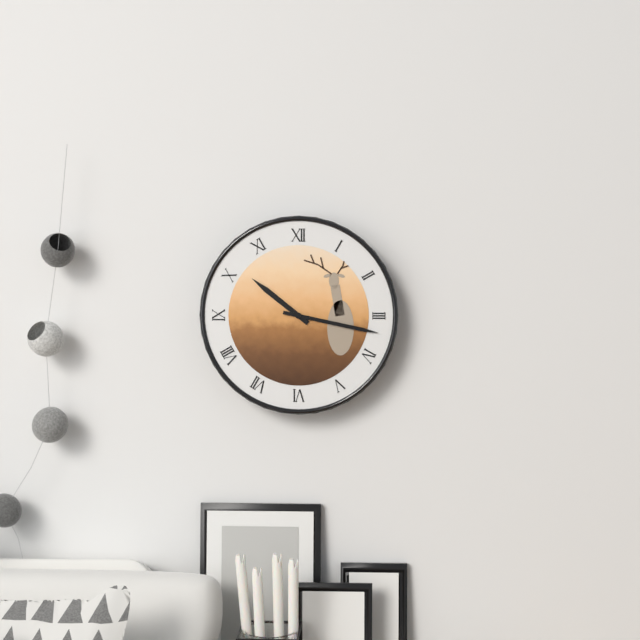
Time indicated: 10h17
